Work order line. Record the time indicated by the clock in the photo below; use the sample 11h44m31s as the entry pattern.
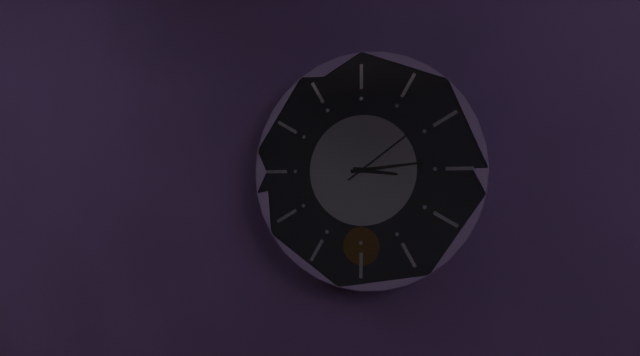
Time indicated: 3h14m09s
